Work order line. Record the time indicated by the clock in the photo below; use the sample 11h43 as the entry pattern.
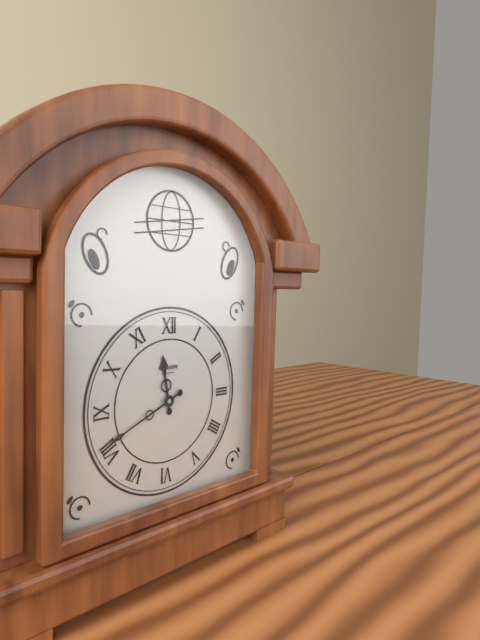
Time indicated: 11h41
